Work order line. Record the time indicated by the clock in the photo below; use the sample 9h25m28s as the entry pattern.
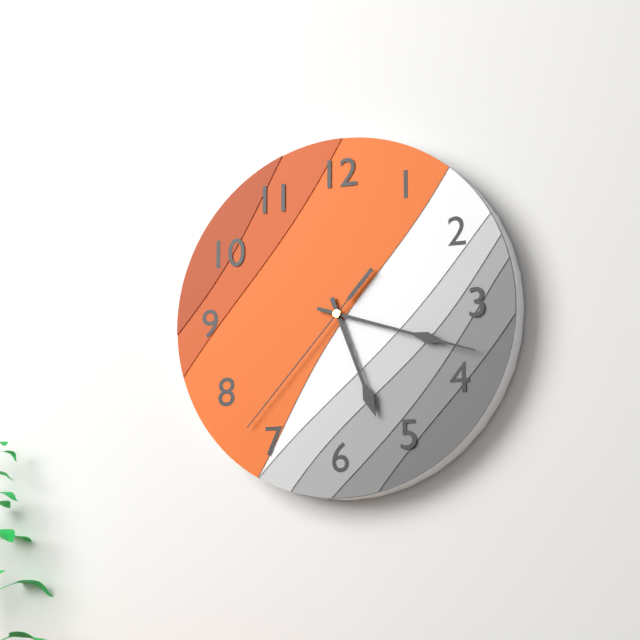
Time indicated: 5h18m37s
